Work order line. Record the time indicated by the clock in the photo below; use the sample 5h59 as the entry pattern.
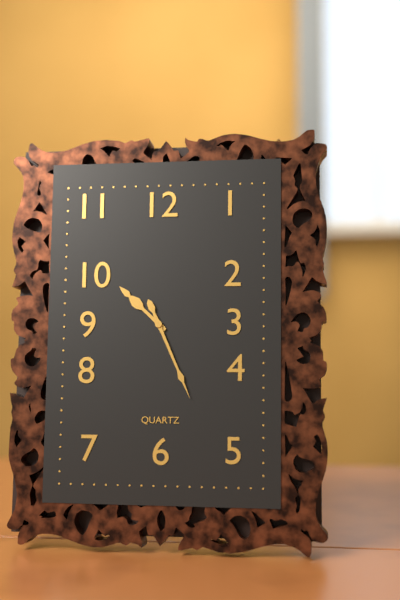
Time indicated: 10h26
